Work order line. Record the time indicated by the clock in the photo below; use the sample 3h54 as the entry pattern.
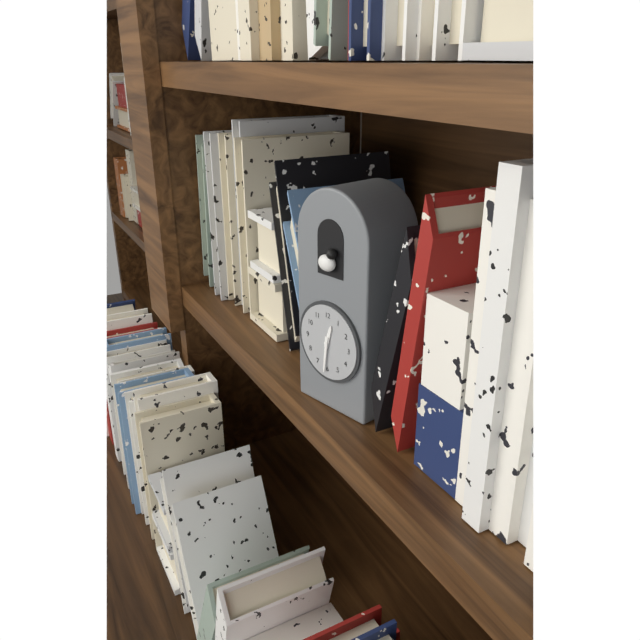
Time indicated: 12h31
